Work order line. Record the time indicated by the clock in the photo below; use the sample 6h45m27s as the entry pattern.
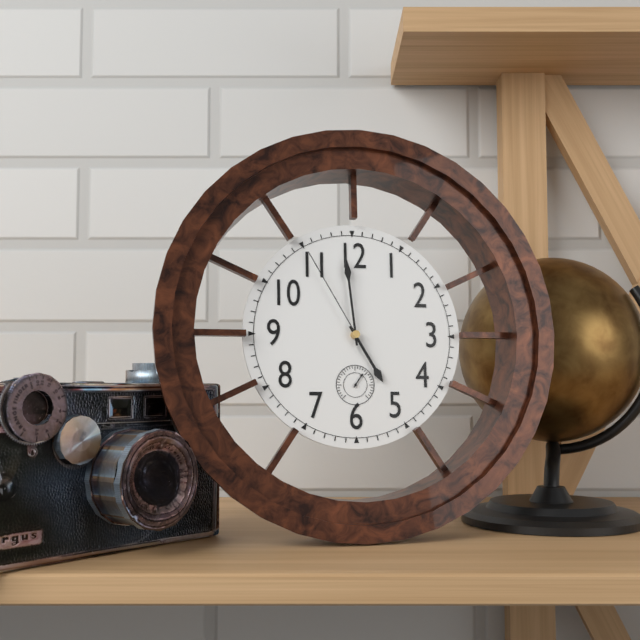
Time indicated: 4h59m55s
